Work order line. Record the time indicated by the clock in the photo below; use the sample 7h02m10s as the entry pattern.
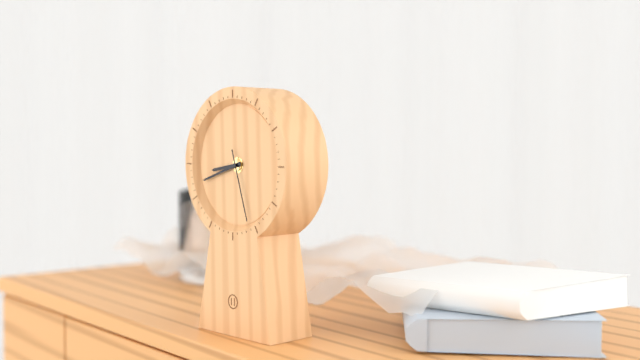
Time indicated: 8h42m27s
